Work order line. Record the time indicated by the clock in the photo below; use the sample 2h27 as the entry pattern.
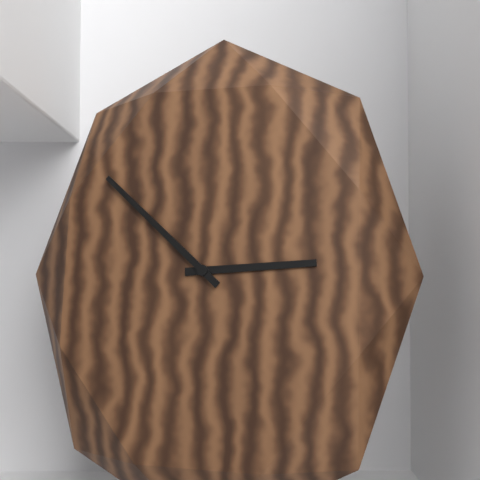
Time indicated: 2h52
